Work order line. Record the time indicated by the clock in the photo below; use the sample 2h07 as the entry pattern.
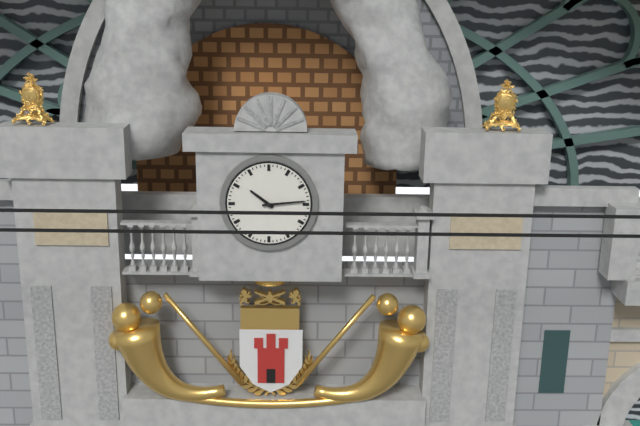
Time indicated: 10h14
